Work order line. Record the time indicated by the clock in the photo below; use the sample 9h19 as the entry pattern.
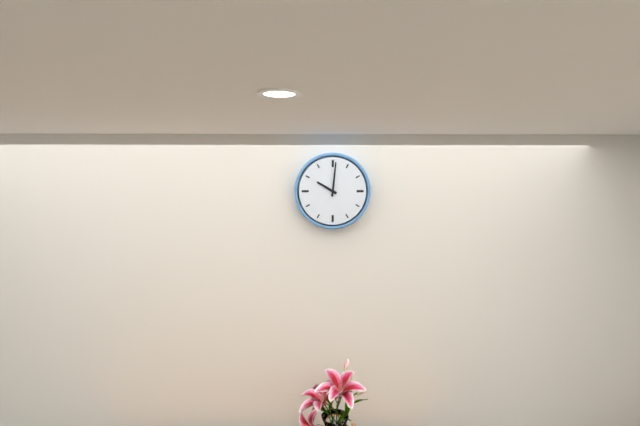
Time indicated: 10h01
